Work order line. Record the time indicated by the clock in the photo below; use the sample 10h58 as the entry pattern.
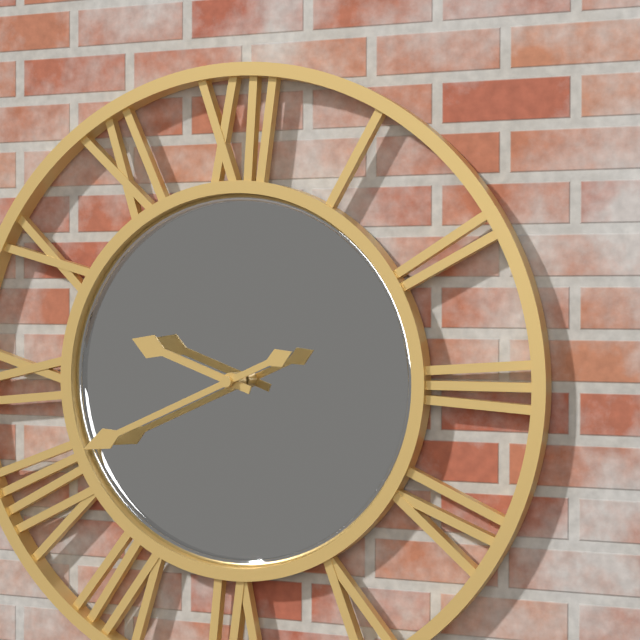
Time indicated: 9h41
